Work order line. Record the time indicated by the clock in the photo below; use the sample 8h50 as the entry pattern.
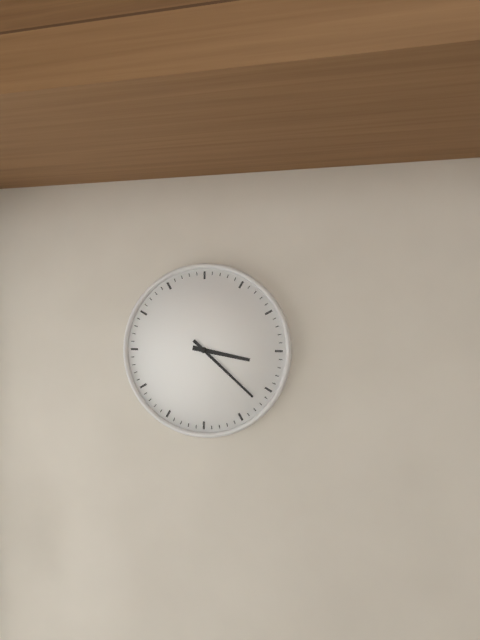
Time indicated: 3h22
